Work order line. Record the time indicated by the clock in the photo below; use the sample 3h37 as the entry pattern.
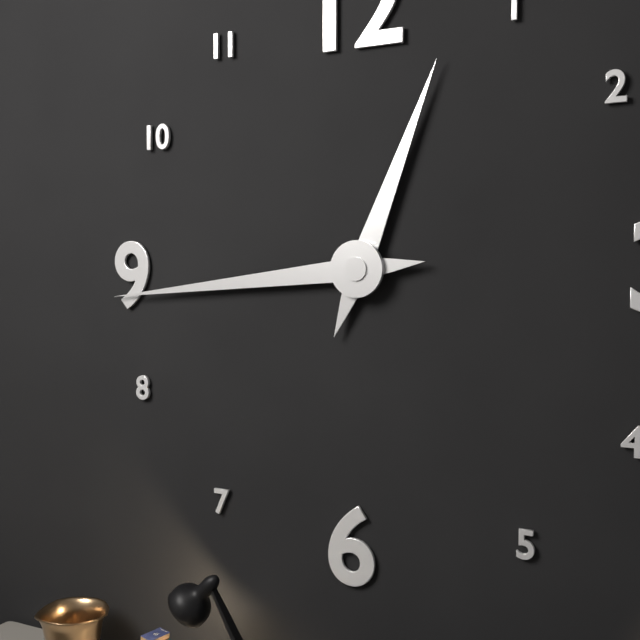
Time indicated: 12h44
